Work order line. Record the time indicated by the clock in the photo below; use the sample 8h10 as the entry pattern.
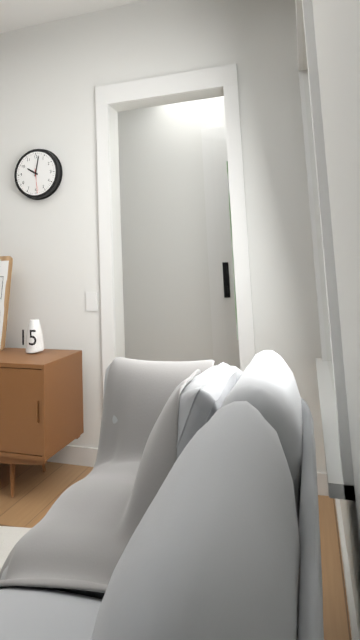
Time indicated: 10h02
